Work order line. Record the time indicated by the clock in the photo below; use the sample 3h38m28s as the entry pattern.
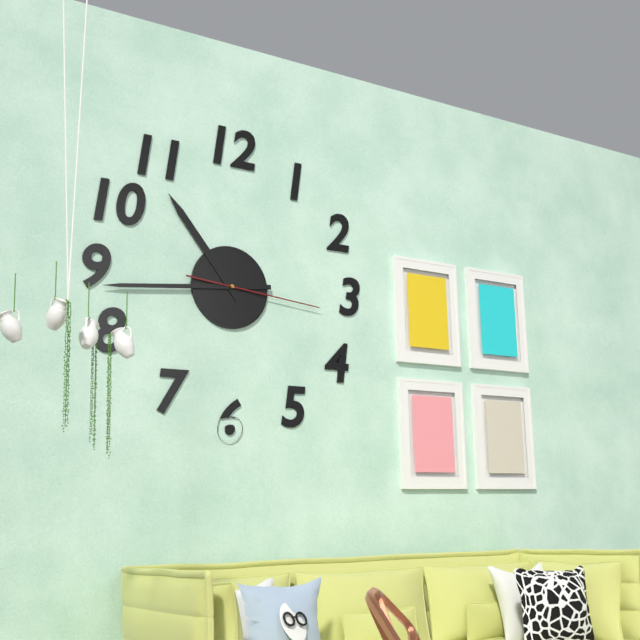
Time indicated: 10h44m16s
